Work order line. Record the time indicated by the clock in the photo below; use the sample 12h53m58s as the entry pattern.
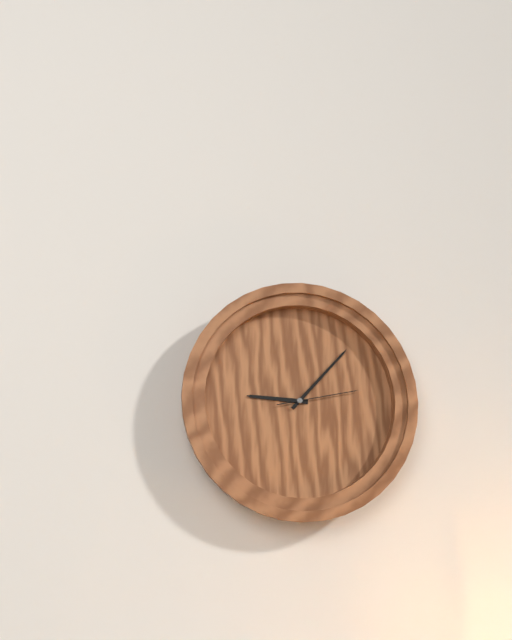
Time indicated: 9h07m13s
